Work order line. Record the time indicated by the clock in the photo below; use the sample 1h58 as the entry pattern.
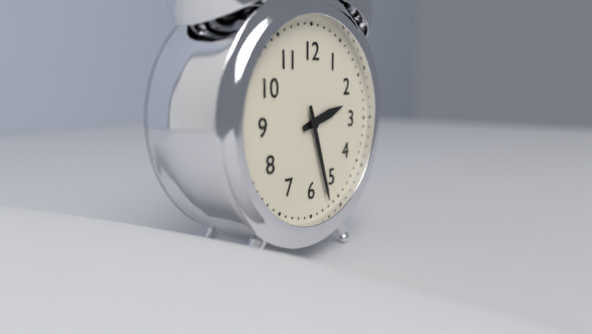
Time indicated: 2h27
